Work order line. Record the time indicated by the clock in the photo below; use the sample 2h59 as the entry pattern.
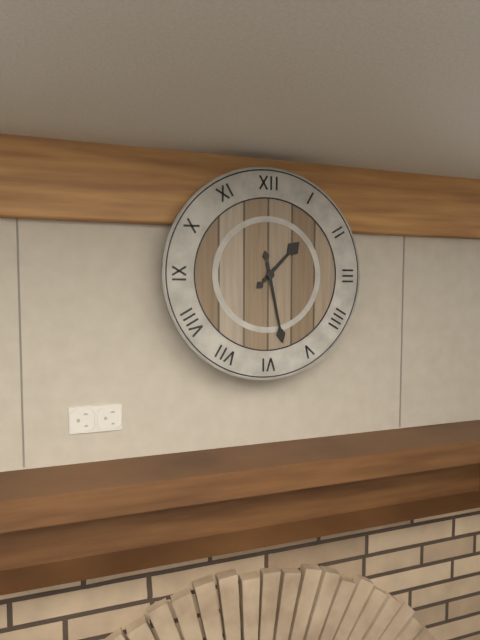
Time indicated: 1h28
